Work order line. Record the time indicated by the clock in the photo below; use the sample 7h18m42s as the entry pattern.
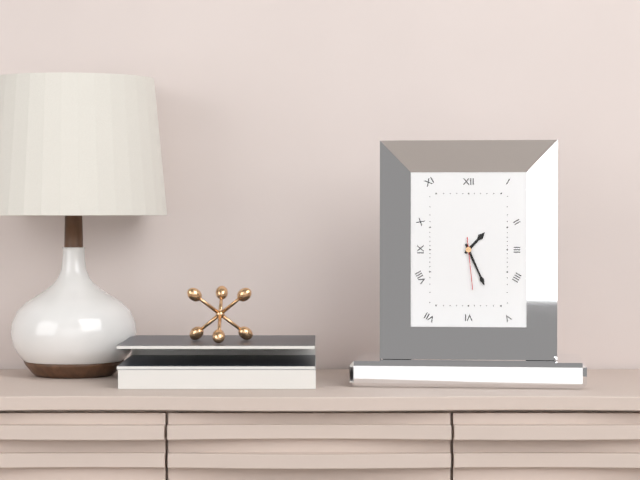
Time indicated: 1h26m29s
